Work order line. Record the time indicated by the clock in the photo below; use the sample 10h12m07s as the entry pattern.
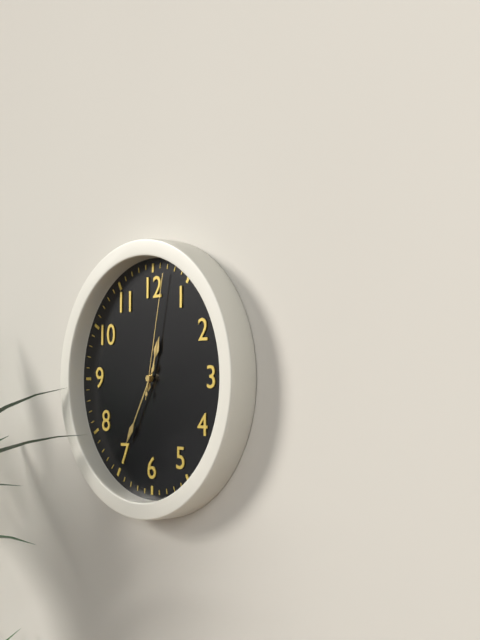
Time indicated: 12h35m02s
